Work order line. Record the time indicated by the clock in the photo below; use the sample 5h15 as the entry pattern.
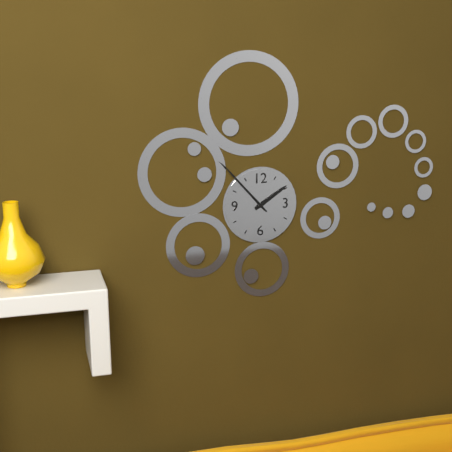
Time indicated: 1h53
